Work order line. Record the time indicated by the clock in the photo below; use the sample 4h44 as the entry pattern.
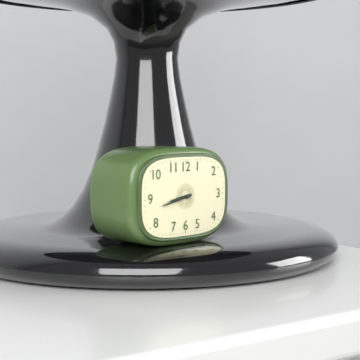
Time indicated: 8h43
